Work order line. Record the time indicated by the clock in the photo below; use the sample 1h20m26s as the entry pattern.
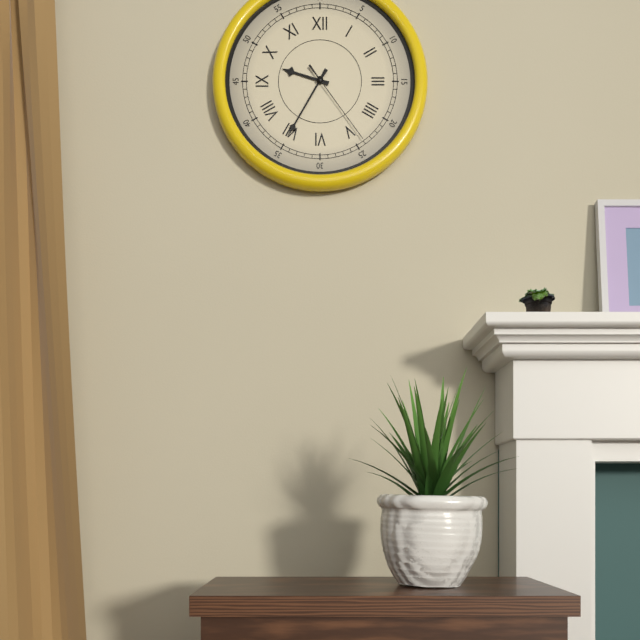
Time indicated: 9h35m24s
